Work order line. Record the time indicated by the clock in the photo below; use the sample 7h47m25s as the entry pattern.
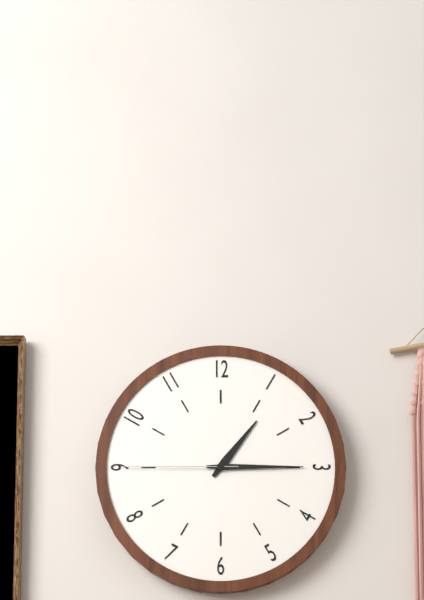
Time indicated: 1h15m45s
